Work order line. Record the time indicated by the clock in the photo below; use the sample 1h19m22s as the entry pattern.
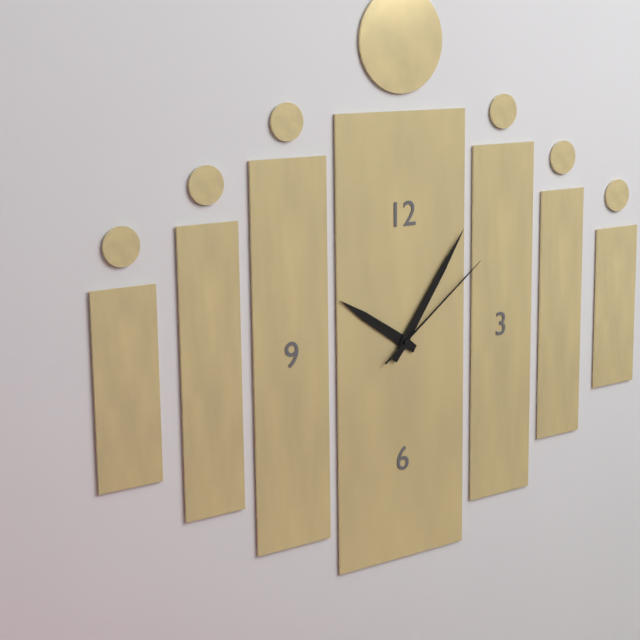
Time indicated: 10h06m09s
